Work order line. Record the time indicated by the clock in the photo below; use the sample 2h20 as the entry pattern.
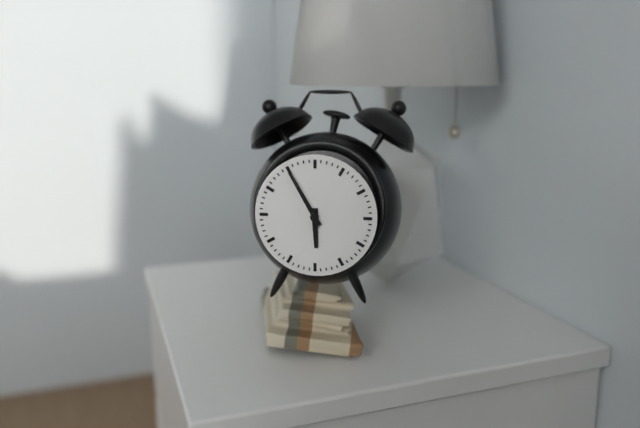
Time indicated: 5h55
